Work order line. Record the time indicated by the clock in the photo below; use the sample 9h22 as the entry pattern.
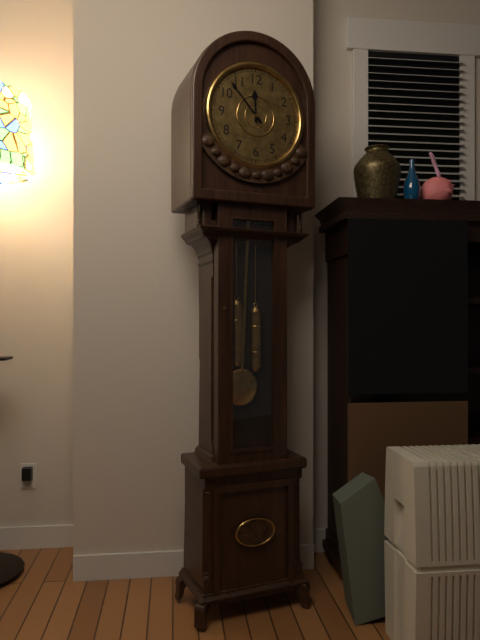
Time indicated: 11h53
